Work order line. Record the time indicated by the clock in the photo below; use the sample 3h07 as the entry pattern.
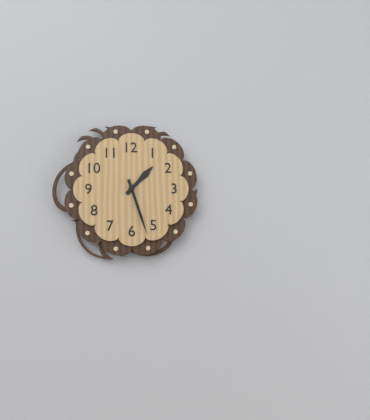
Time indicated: 1h27
